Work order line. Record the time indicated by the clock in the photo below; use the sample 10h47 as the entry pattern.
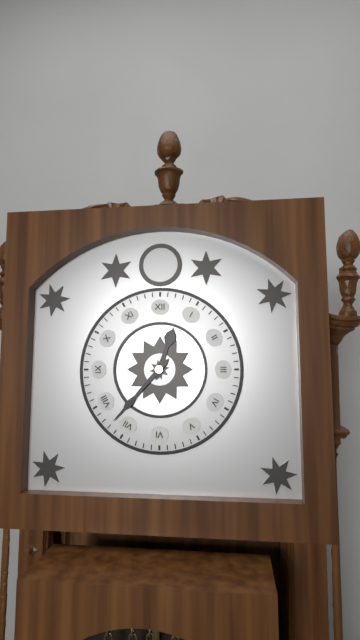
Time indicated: 12h37
